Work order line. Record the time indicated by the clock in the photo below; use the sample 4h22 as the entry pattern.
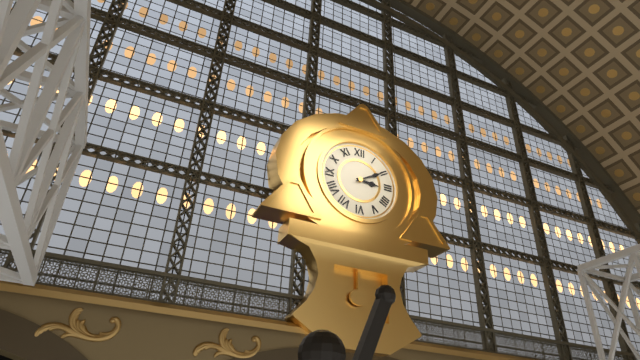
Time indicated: 3h10
